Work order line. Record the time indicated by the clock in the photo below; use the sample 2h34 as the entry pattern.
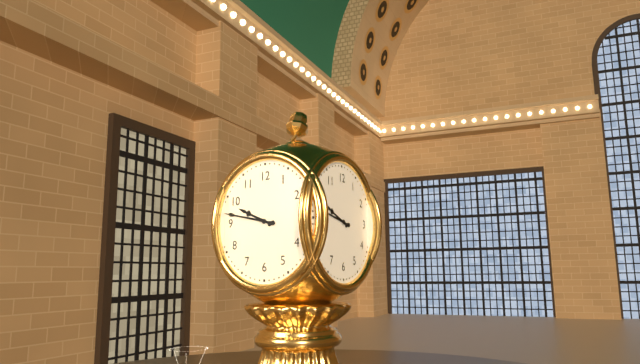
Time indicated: 9h47
